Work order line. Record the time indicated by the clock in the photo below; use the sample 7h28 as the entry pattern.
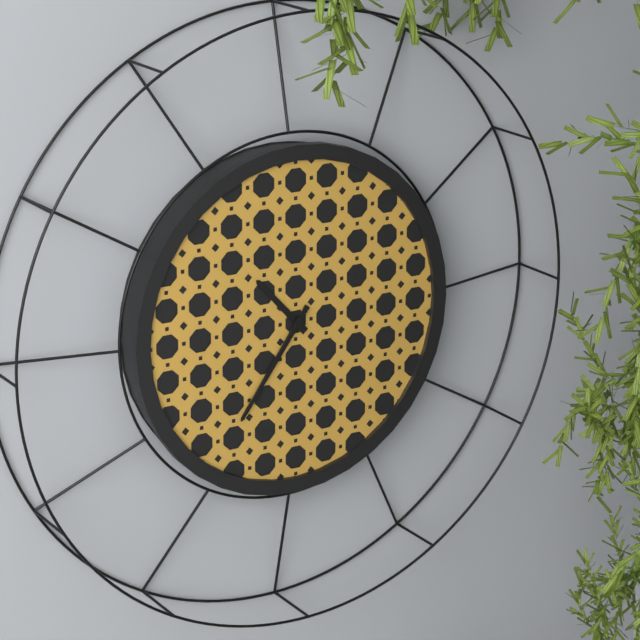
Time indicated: 10h36
